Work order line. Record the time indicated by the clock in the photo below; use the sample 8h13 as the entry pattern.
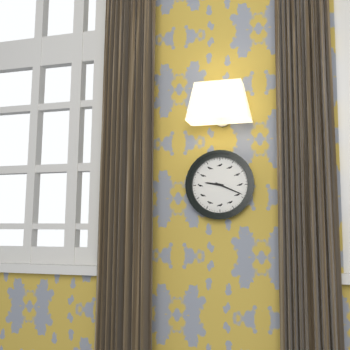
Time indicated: 9h19
